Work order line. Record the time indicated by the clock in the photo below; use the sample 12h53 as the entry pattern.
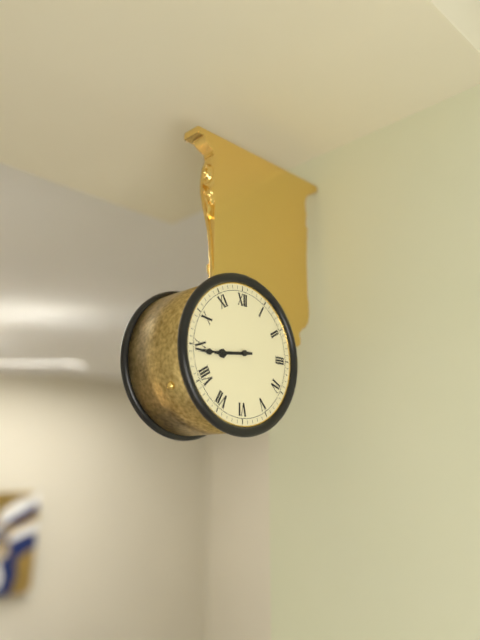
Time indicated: 8h44
